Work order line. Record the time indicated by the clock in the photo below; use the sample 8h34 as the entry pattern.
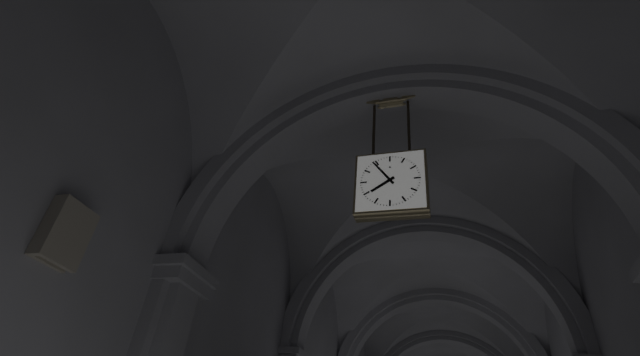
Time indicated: 7h54
